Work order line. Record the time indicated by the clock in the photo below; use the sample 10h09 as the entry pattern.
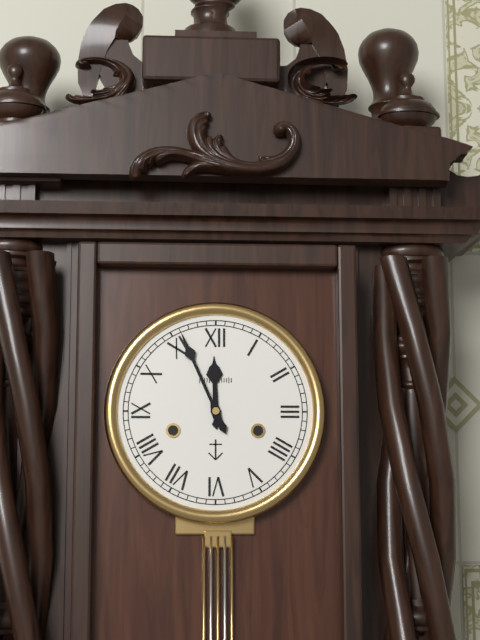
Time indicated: 11h56
